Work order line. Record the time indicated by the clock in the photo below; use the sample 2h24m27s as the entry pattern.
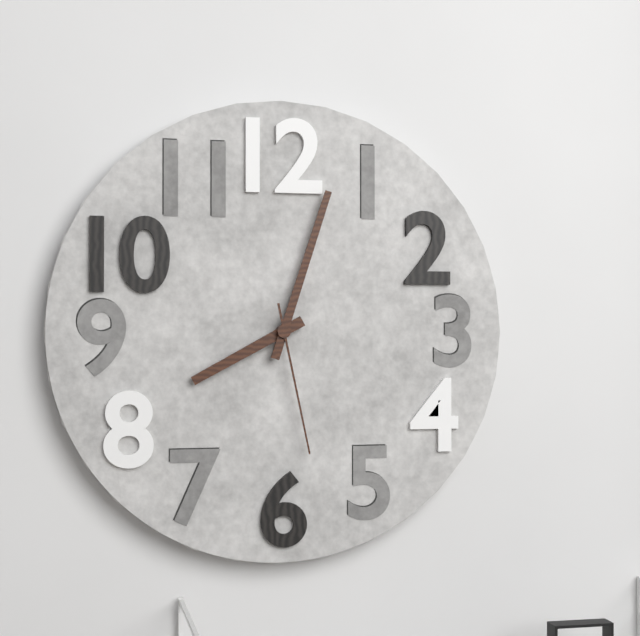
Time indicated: 8h03m28s
